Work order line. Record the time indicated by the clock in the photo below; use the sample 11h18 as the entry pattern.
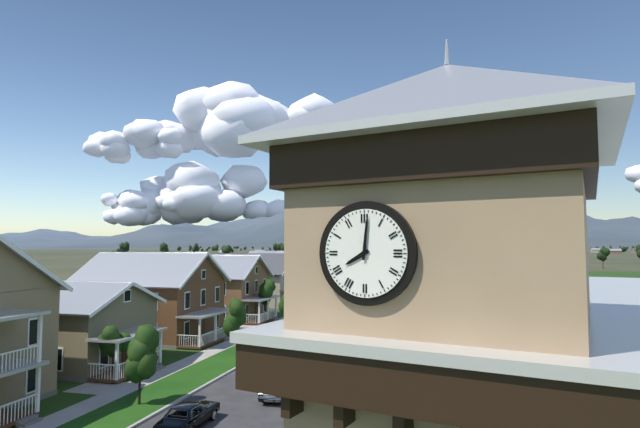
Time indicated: 8h01
